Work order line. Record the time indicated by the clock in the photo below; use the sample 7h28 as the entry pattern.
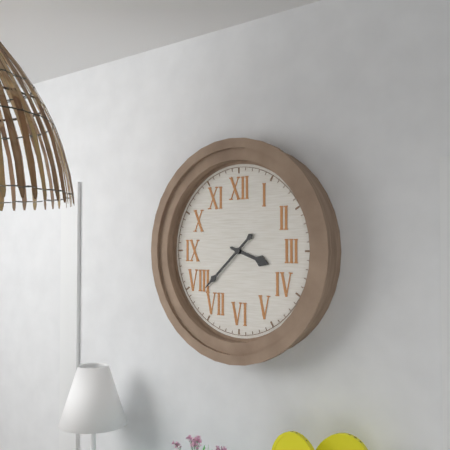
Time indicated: 3h38
